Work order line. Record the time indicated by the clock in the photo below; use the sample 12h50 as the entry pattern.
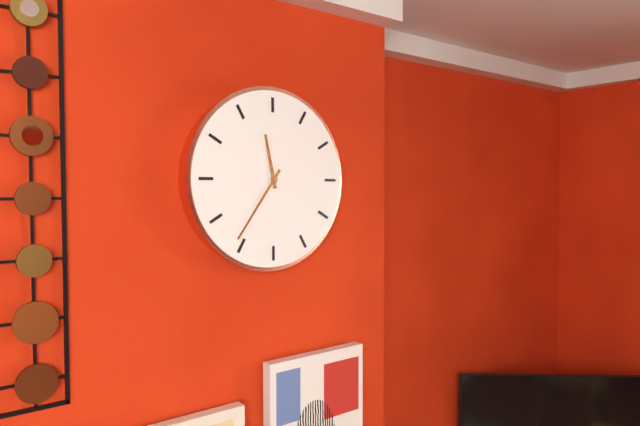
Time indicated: 11h36
